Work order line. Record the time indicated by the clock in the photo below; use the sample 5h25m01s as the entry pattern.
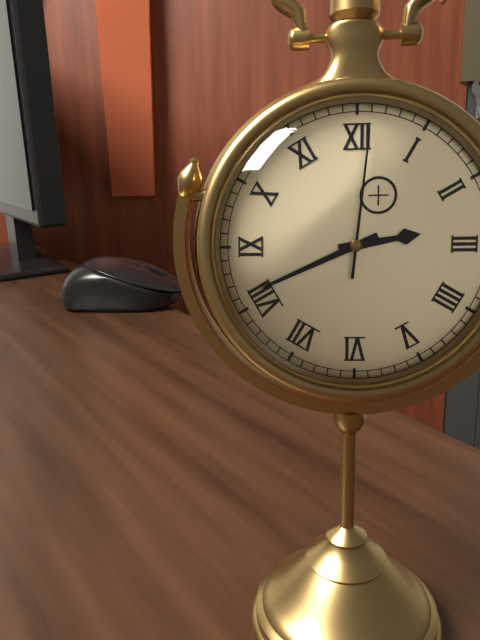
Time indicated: 2h41m01s
